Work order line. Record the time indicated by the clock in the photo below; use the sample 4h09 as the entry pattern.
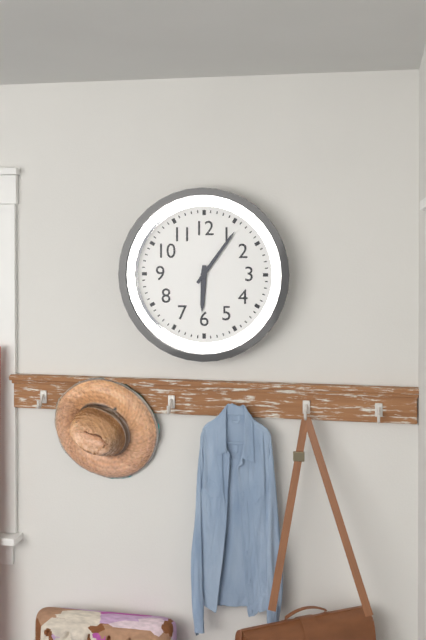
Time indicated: 6h06
